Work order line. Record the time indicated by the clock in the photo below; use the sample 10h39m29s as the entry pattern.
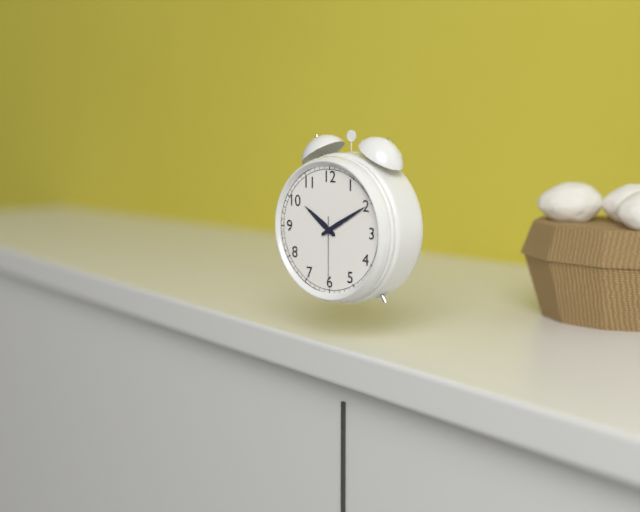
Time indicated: 10h10m30s
